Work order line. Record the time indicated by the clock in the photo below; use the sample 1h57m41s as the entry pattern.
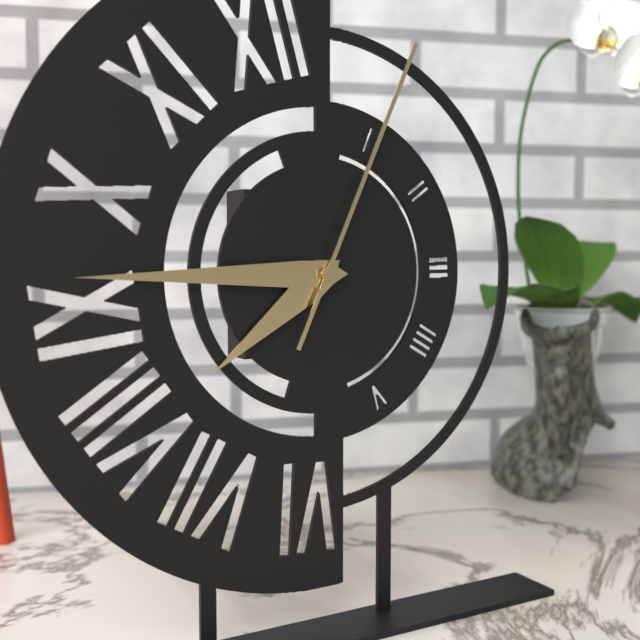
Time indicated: 7h45m04s
